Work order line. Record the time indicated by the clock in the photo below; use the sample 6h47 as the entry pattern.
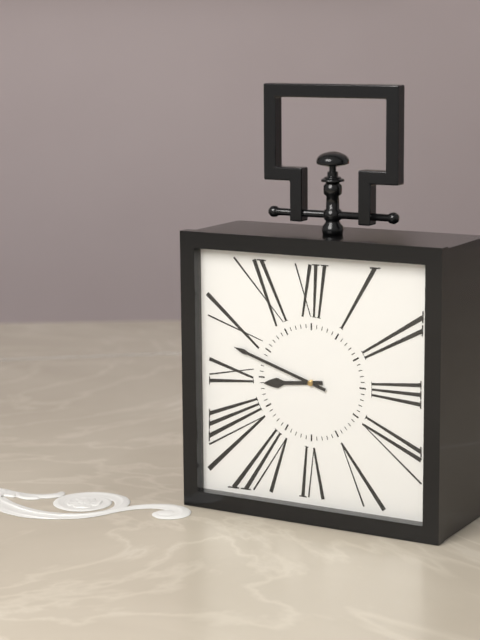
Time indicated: 8h48
